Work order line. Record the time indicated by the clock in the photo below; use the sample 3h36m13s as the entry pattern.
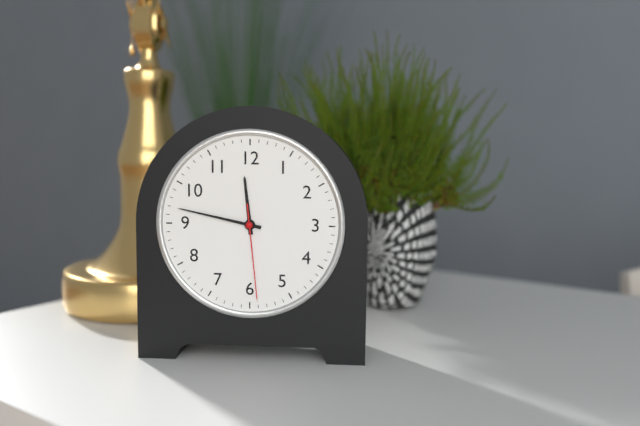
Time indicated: 11h47m29s
